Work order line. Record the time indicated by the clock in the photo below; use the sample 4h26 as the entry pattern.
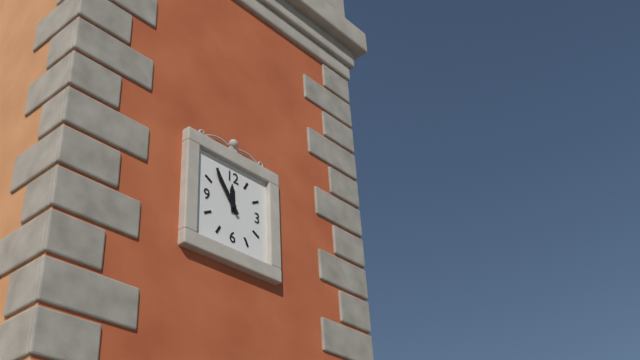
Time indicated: 11h54
